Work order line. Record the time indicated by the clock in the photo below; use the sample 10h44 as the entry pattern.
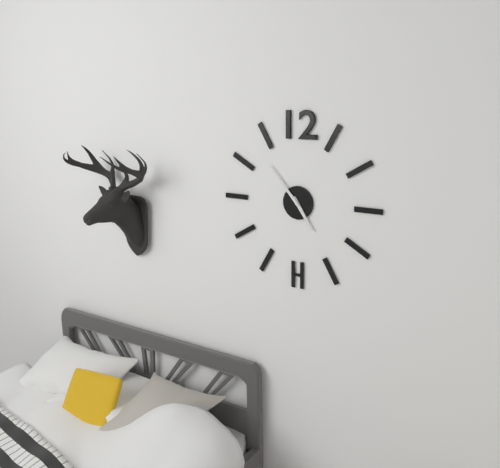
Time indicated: 4h53
